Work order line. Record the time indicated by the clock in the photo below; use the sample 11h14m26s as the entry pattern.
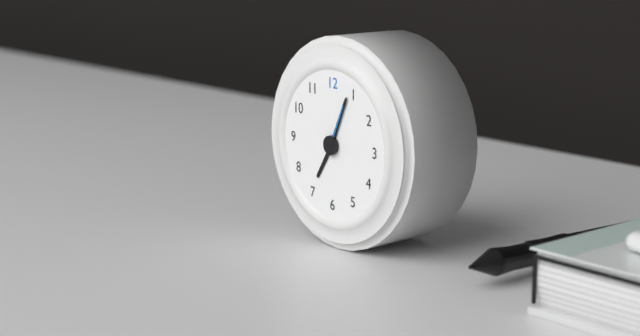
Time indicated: 7h04m04s
